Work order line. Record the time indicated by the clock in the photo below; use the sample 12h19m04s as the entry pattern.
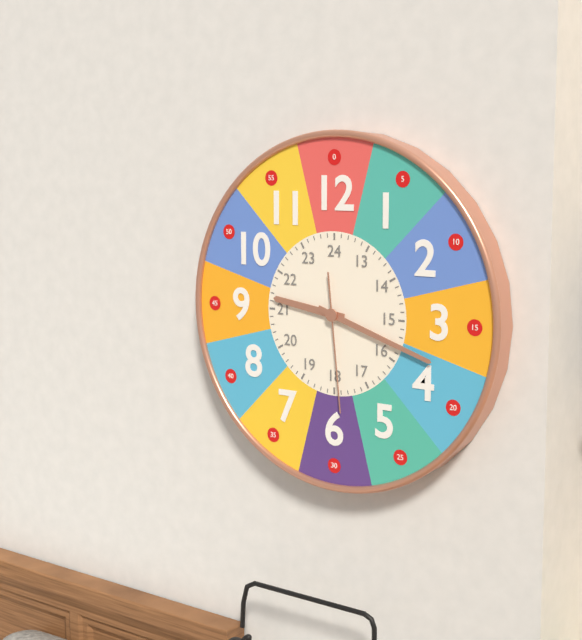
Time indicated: 9h18m29s
